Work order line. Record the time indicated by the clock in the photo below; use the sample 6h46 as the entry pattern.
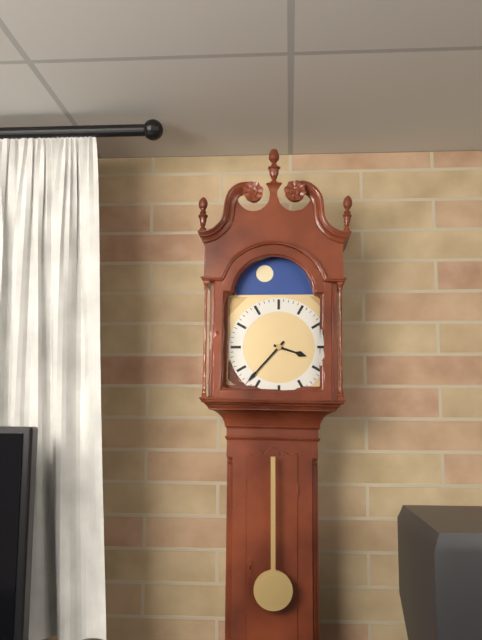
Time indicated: 3h37
